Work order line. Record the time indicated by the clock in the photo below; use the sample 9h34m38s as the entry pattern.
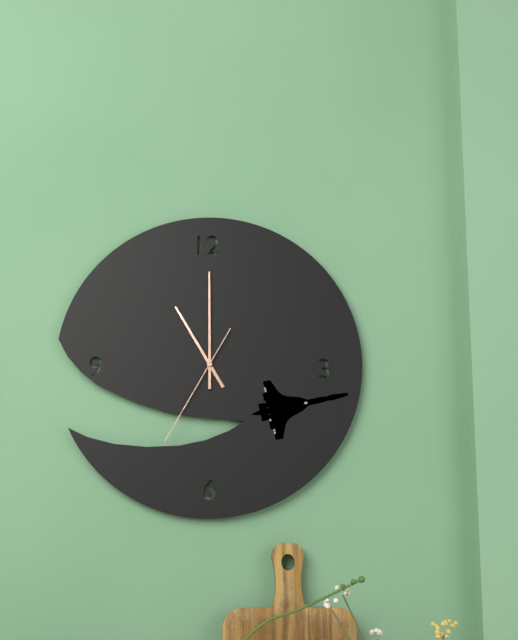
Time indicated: 11h00m35s
